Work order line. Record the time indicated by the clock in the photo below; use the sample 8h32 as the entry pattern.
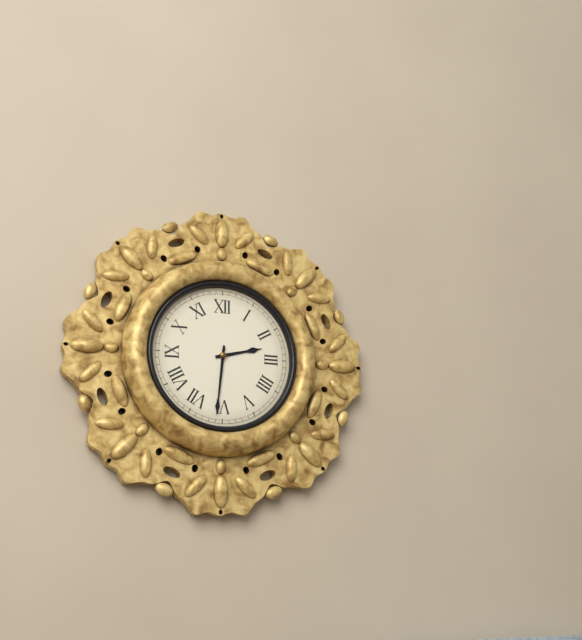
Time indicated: 2h31
